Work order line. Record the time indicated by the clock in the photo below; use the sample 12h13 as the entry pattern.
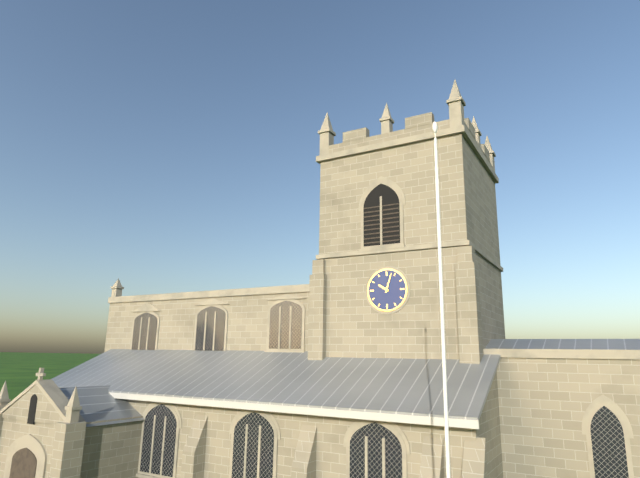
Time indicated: 10h03
